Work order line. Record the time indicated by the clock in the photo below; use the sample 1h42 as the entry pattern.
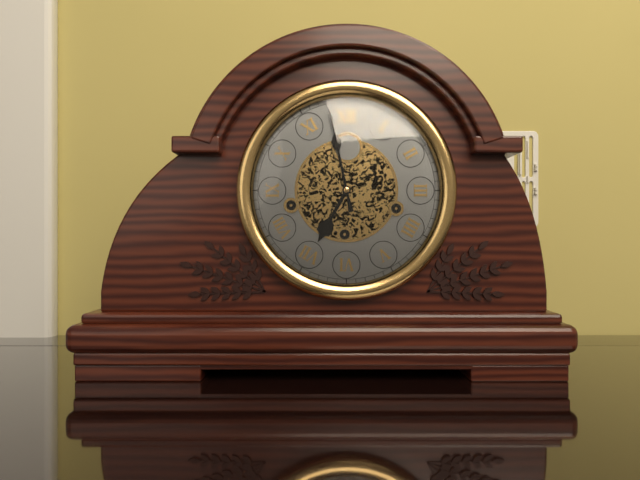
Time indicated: 6h58
